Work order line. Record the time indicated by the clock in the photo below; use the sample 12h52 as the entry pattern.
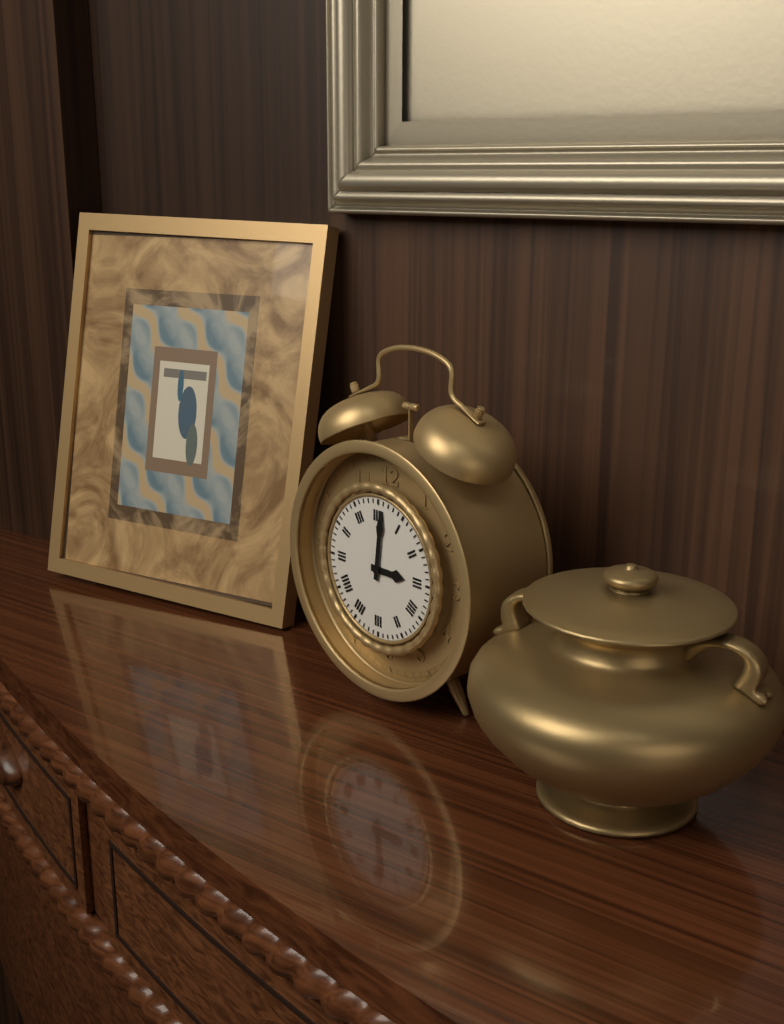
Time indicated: 3h01
